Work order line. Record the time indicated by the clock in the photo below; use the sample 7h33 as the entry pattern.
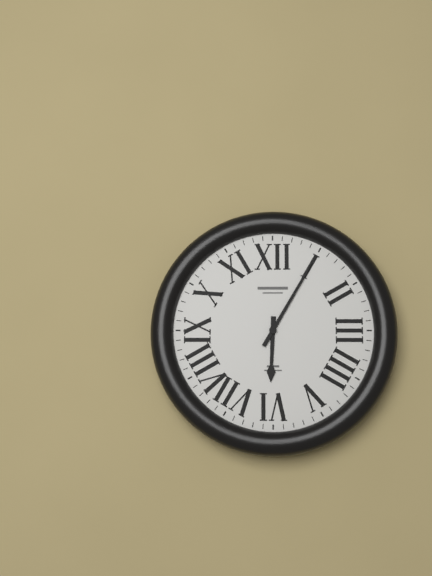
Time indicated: 6h05
